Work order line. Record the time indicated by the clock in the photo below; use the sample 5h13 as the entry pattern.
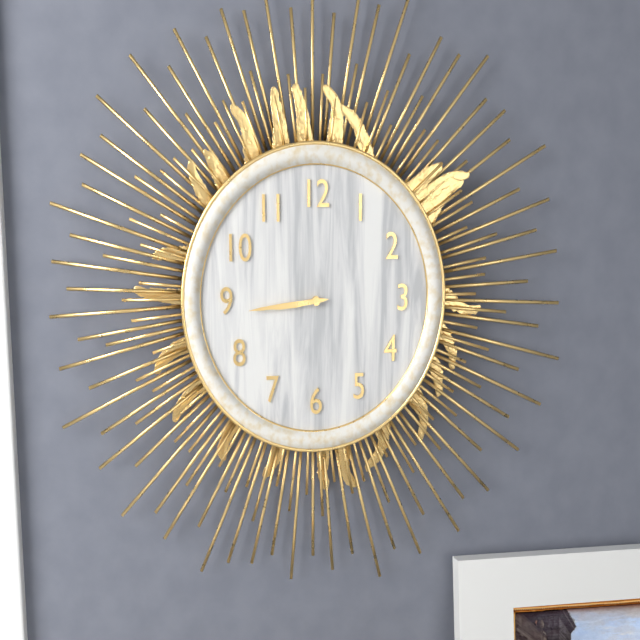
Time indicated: 8h44
